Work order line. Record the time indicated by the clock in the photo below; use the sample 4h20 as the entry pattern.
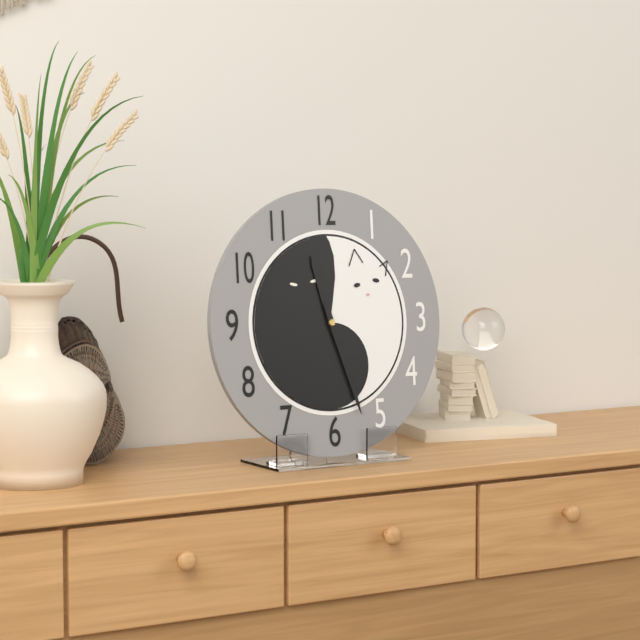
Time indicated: 11h27
